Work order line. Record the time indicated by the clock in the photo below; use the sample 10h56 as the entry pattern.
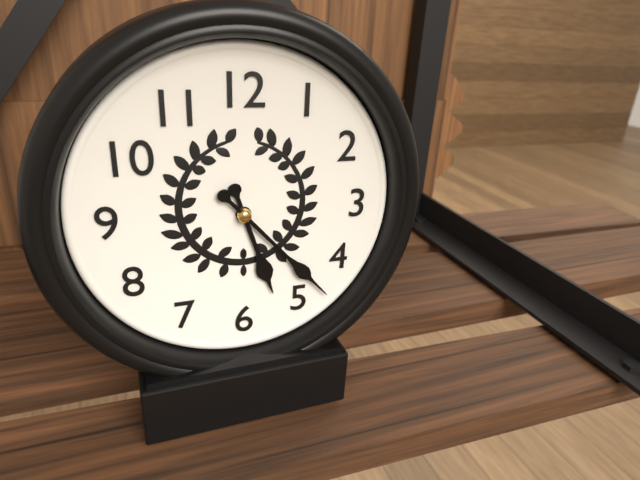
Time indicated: 5h23
